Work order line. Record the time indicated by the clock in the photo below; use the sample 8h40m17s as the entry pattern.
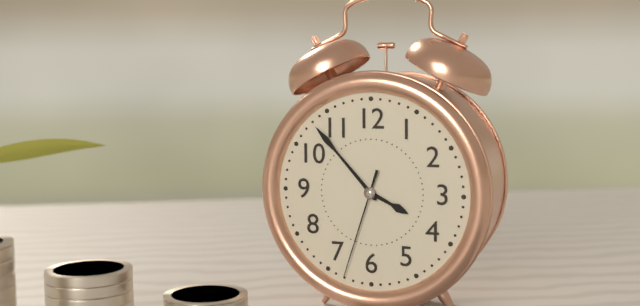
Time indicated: 3h53m33s
